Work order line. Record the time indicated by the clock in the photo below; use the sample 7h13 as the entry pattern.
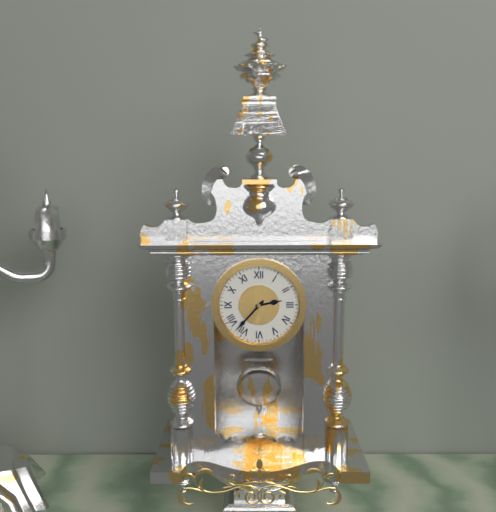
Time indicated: 2h37
